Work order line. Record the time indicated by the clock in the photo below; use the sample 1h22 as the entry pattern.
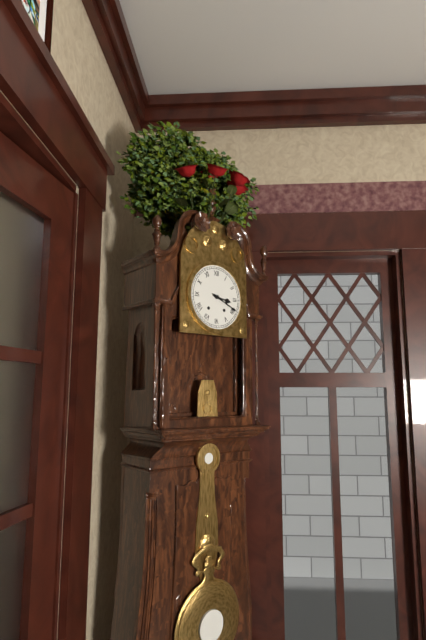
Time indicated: 3h19
